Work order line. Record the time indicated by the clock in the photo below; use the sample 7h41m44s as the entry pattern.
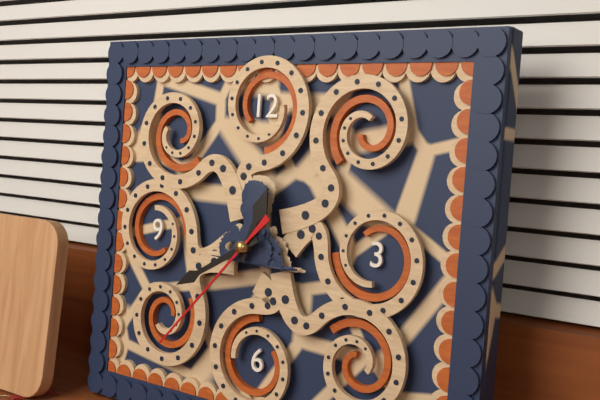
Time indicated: 12h40m37s
